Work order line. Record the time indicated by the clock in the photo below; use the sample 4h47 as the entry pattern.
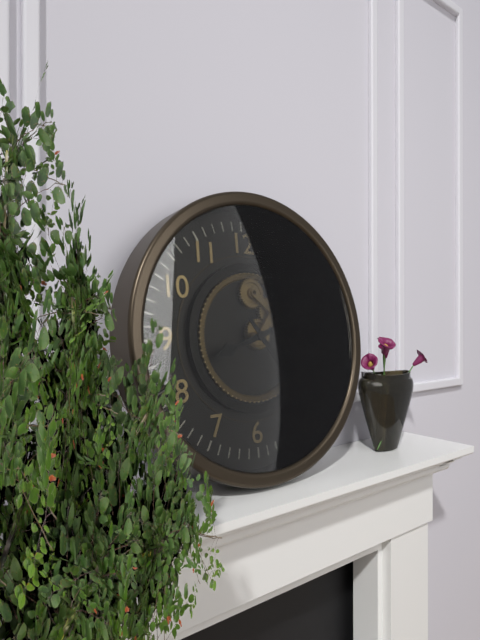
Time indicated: 8h24
